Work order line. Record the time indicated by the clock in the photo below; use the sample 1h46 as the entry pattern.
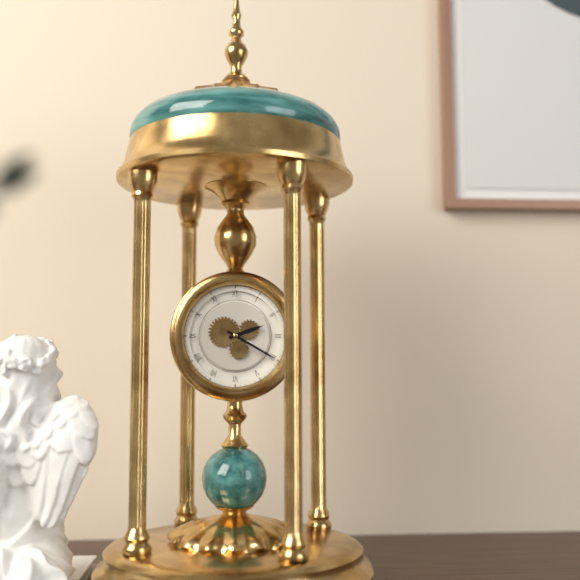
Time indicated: 2h20
